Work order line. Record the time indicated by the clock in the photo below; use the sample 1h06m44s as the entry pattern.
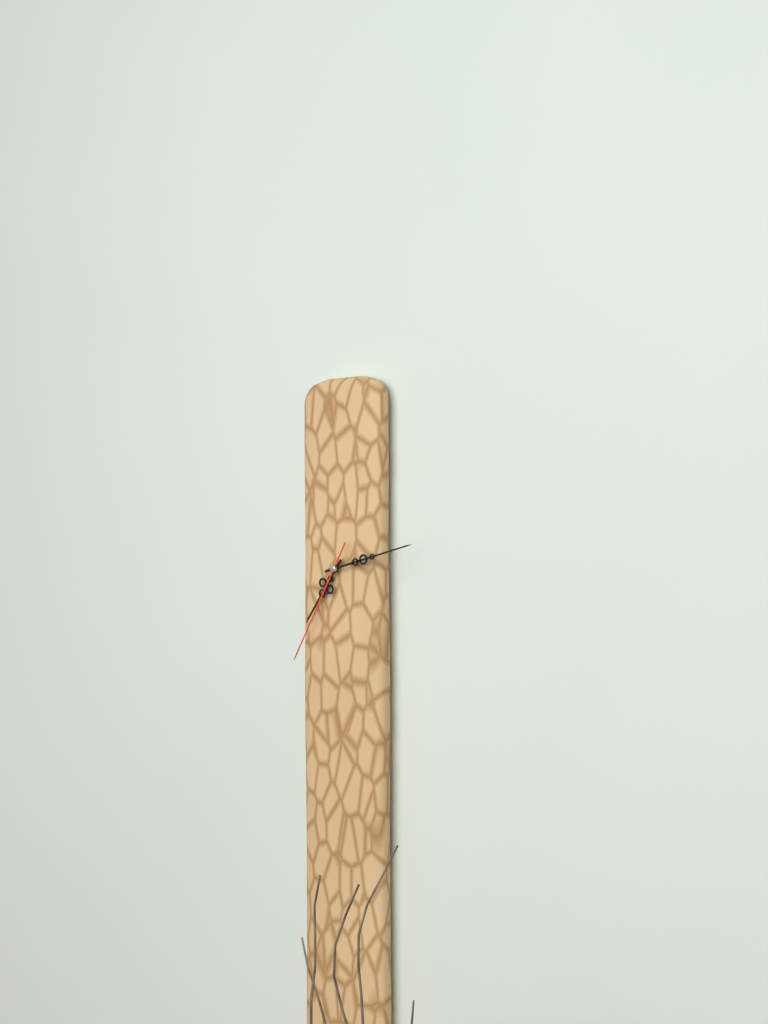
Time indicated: 7h13m35s
